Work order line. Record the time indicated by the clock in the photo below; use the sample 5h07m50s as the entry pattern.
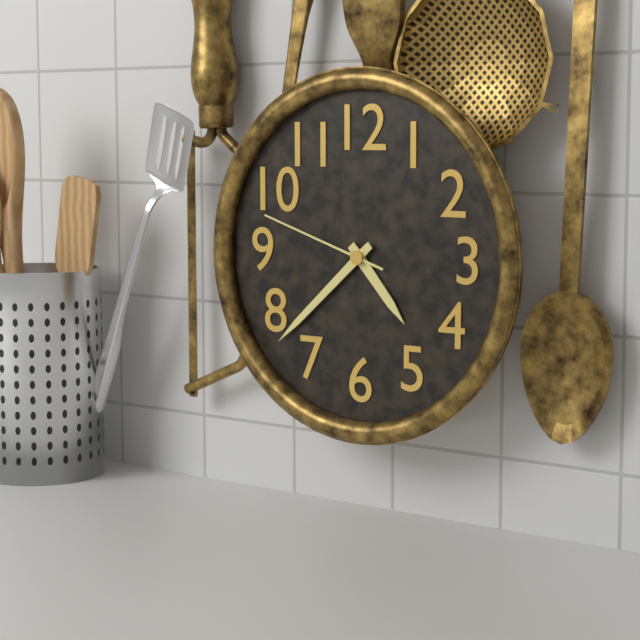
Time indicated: 4h38m48s
